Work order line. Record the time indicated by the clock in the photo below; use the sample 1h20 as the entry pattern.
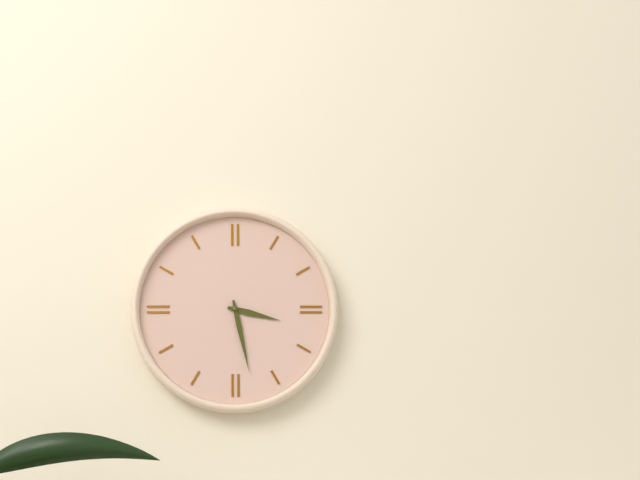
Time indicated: 3h28
